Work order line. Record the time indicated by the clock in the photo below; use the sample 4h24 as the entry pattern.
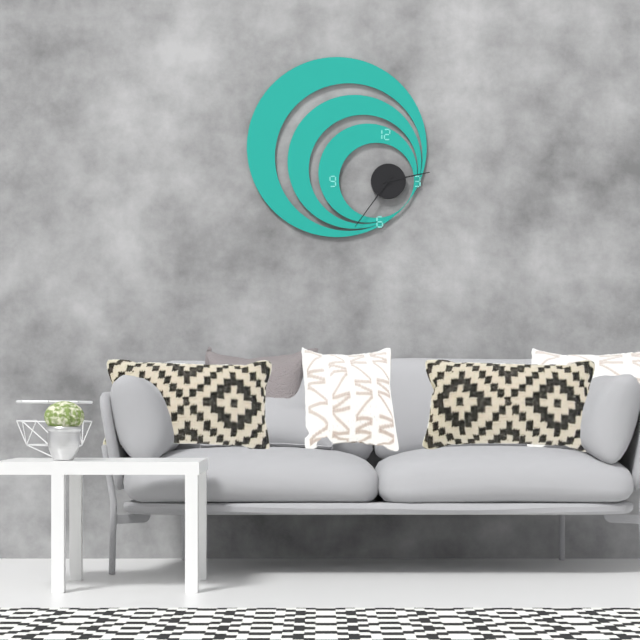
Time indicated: 2h36
